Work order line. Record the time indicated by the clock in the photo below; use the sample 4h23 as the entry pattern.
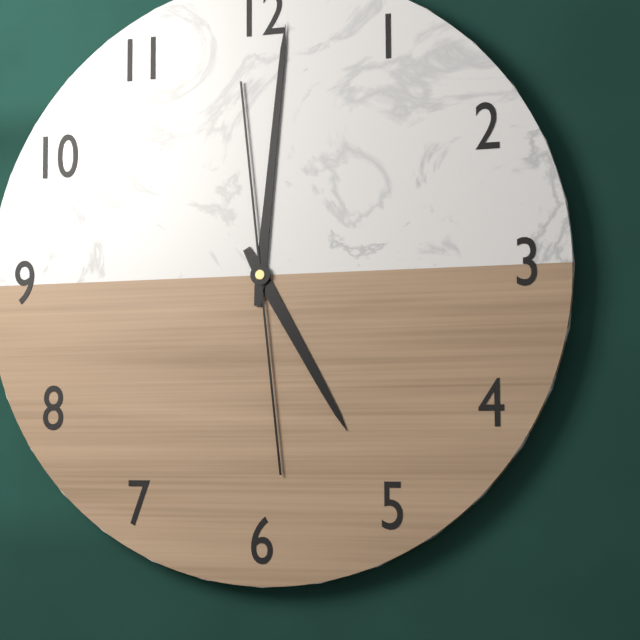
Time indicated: 5h01
